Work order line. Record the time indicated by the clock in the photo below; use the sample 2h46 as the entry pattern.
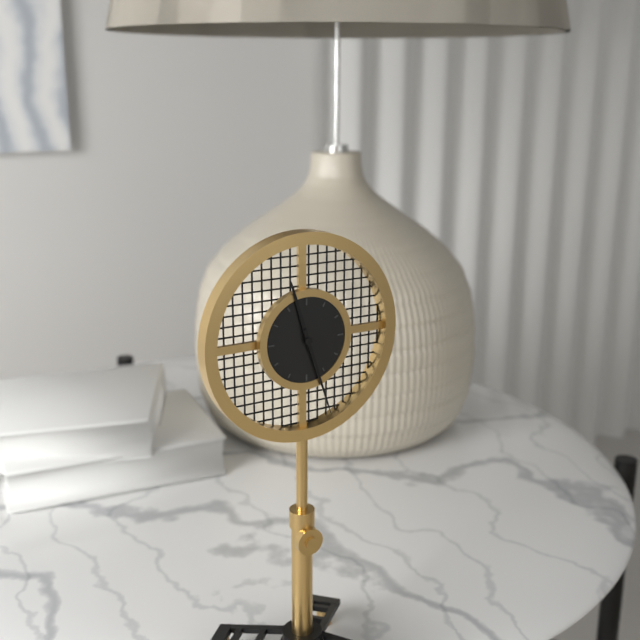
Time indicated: 11h27
